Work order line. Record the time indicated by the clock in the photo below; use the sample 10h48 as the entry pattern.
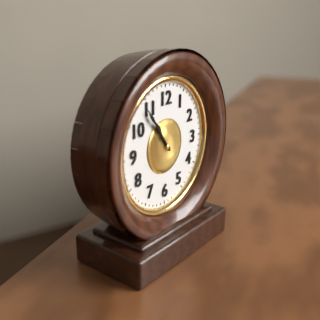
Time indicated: 10h54
